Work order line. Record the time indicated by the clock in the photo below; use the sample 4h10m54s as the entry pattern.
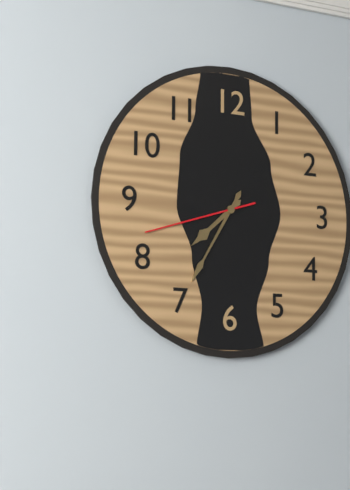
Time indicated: 7h35m42s
